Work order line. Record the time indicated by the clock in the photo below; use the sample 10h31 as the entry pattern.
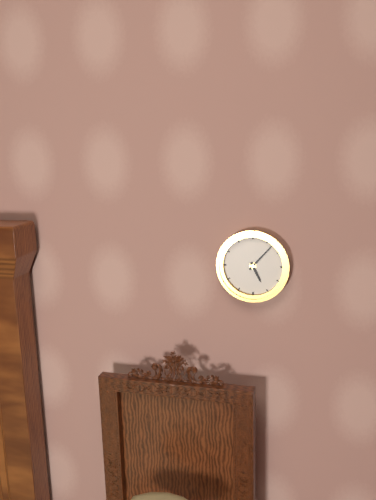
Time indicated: 5h07
